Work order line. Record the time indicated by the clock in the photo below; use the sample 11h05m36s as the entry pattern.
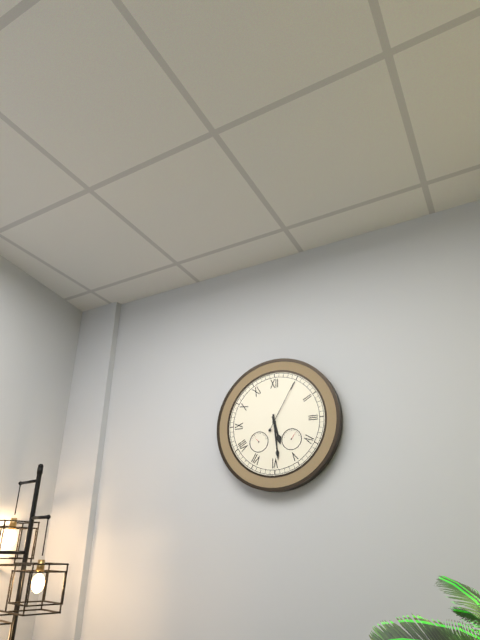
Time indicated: 5h29m05s
